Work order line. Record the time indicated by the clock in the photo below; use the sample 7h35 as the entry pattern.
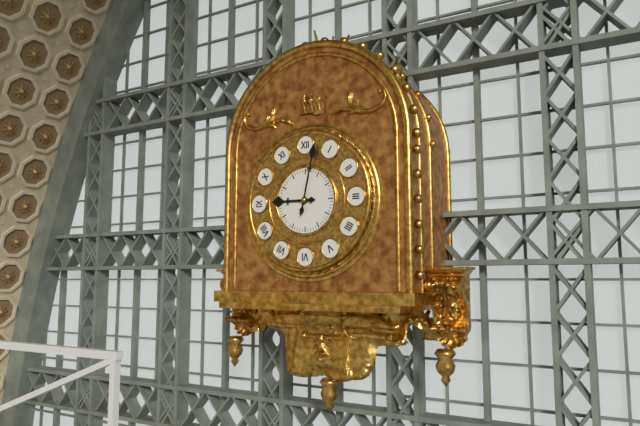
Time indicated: 9h02
